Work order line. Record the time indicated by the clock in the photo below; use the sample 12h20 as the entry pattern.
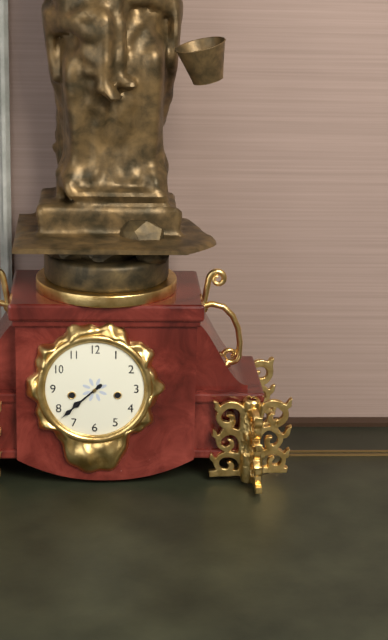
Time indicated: 7h38
